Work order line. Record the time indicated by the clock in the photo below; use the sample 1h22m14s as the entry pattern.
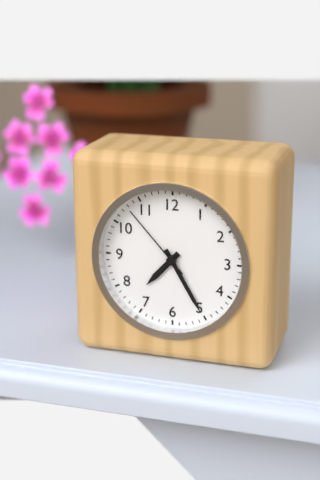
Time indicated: 7h25m53s
